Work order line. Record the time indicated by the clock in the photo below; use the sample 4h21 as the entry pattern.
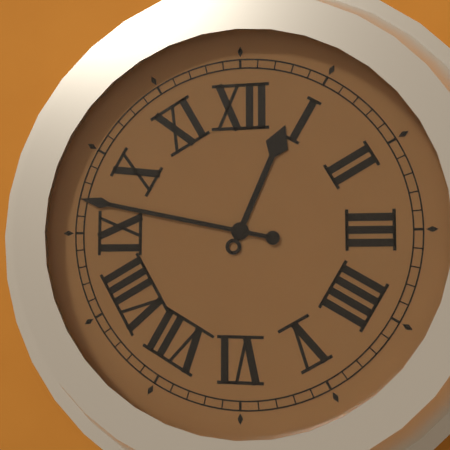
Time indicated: 12h47
